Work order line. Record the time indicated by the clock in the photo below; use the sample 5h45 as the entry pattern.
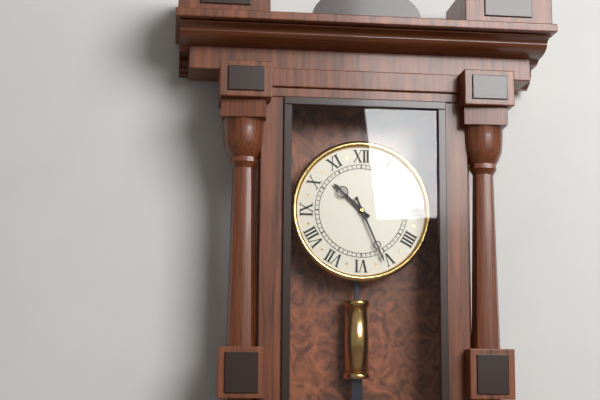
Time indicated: 10h26
